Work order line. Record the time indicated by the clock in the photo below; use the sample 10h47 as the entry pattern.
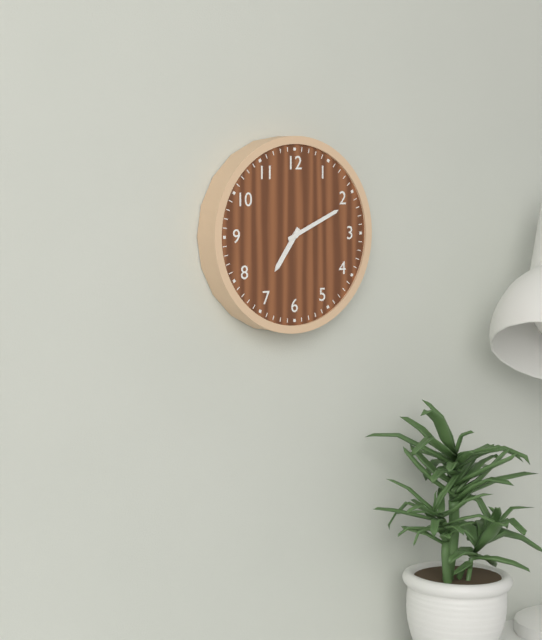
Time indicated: 7h11
